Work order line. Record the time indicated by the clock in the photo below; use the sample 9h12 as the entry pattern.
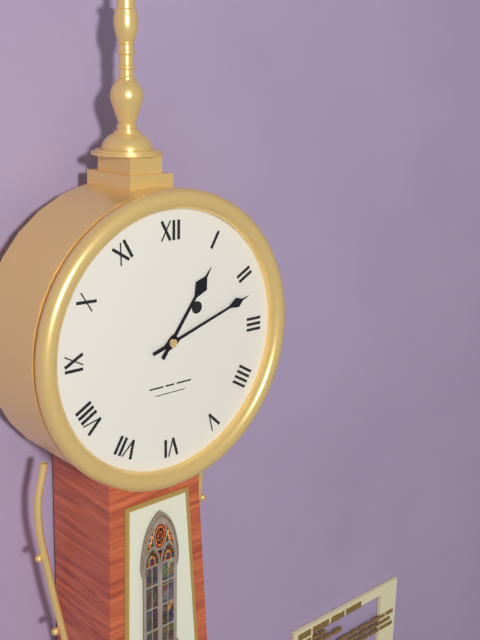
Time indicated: 1h12
